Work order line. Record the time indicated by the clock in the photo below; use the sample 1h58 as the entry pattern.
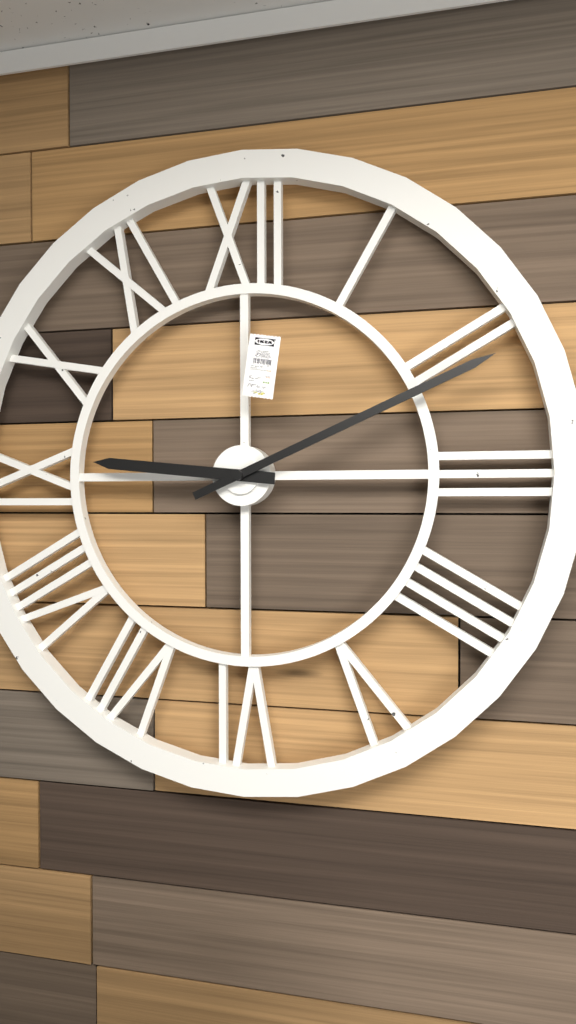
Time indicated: 9h11
